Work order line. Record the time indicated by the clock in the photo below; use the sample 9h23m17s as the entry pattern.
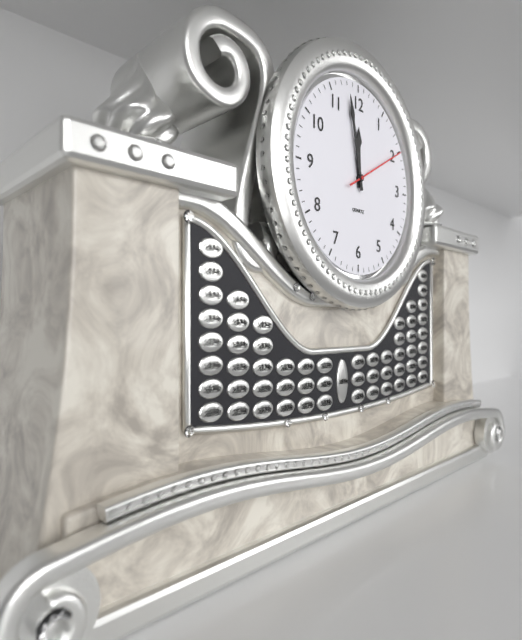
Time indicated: 11h58m10s
